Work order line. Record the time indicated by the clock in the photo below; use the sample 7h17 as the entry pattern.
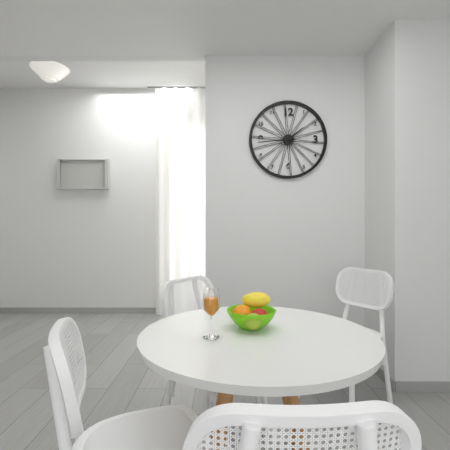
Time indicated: 1h44
